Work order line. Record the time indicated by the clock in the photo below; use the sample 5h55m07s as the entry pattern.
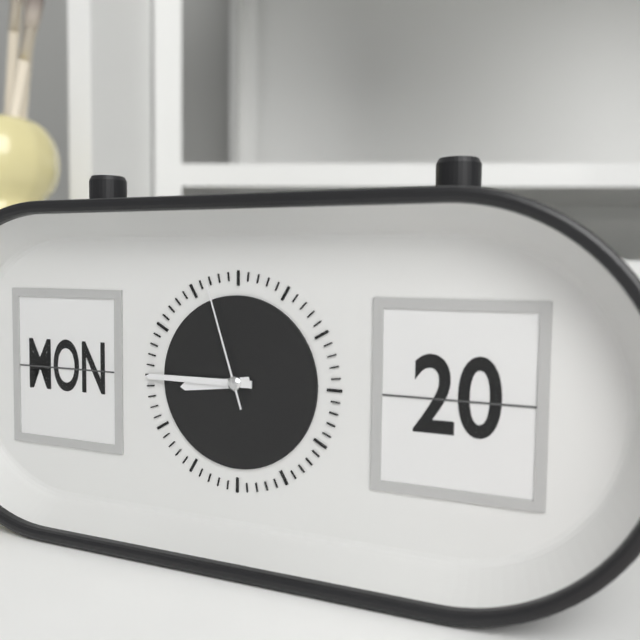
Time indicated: 8h45m57s
